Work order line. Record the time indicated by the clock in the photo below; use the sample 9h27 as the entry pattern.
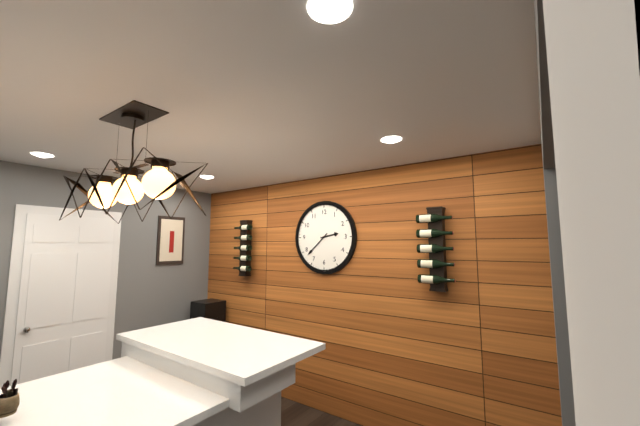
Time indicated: 2h38
